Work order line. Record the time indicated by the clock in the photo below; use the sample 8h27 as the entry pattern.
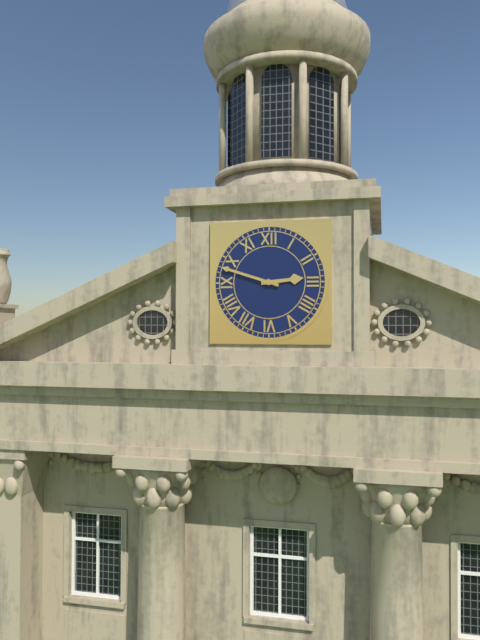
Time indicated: 2h48
